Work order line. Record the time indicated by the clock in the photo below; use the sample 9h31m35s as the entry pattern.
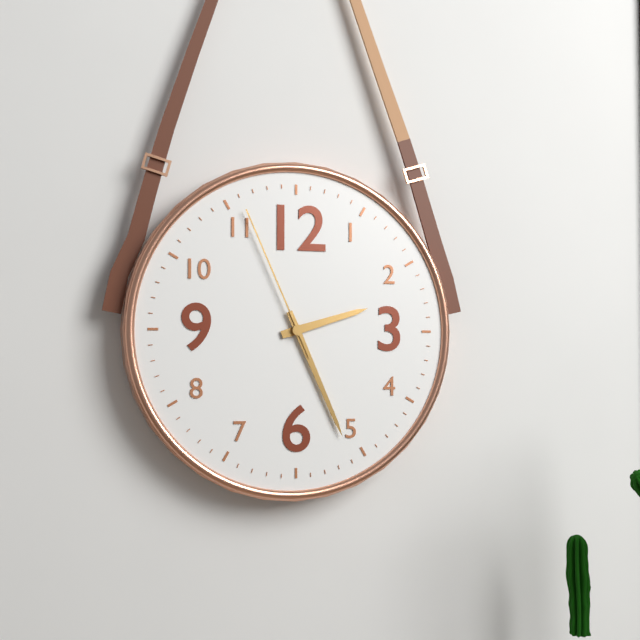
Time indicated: 2h26m56s
